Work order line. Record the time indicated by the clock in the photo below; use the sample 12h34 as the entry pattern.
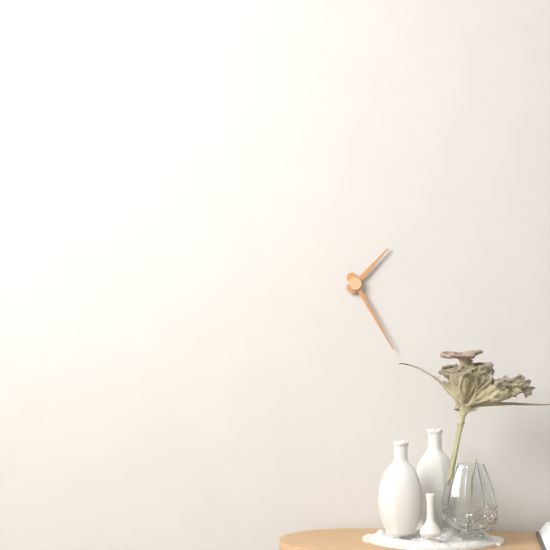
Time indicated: 1h25
